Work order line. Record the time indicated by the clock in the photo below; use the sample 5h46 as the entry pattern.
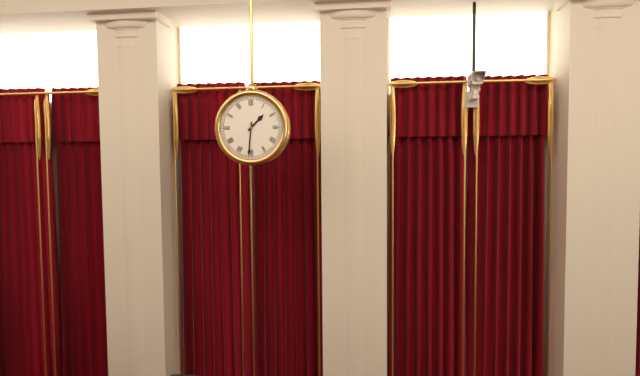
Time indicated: 1h31
